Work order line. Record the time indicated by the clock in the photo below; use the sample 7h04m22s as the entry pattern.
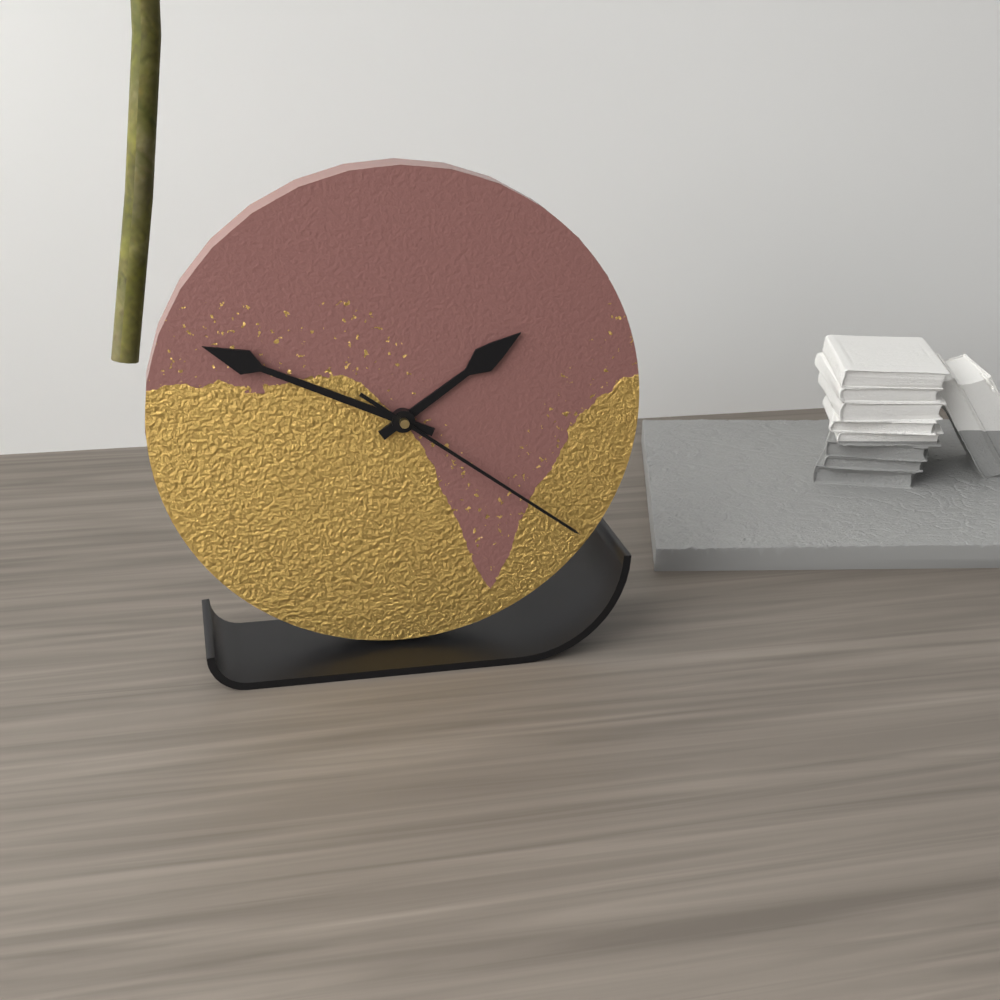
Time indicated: 1h49m21s
